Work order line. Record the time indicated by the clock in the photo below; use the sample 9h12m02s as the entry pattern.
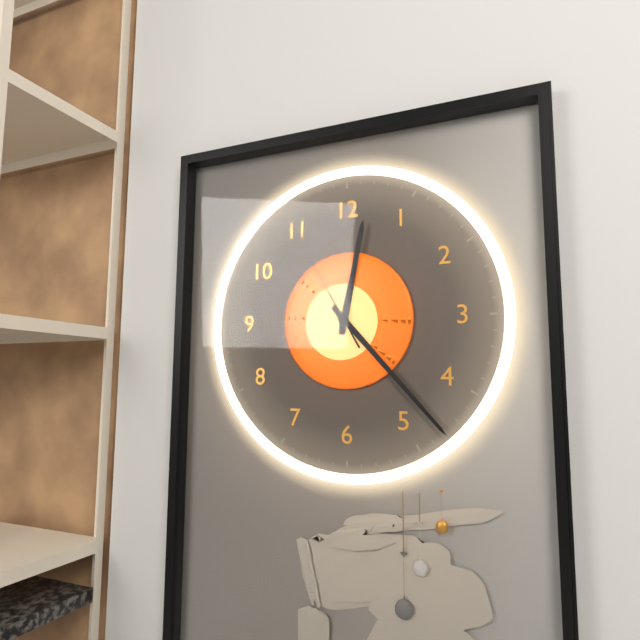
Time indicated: 12h23m55s
